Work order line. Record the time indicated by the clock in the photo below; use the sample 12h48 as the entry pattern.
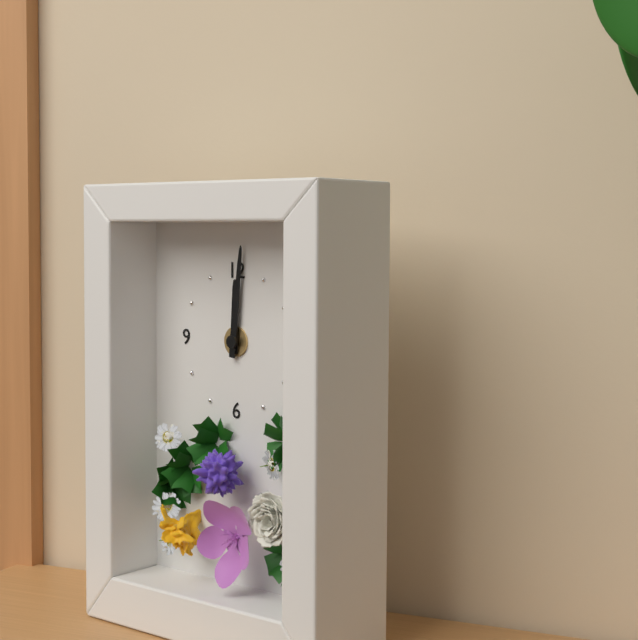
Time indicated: 12h01
